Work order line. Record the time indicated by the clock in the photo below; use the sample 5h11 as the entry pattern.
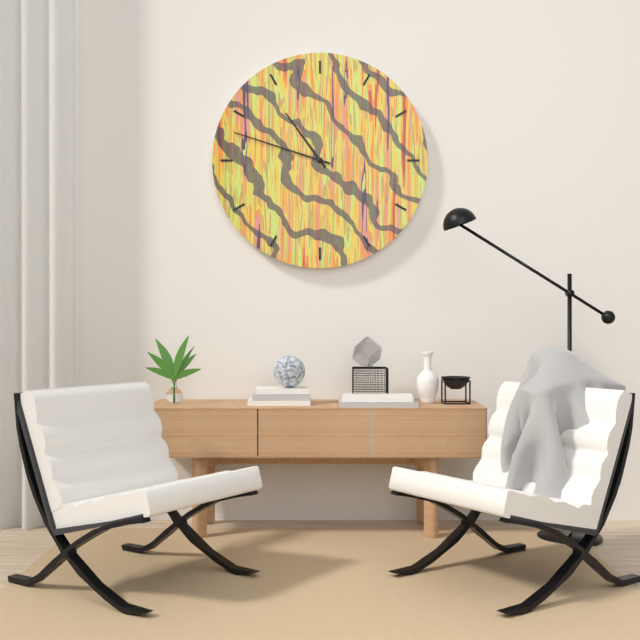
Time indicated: 10h48
